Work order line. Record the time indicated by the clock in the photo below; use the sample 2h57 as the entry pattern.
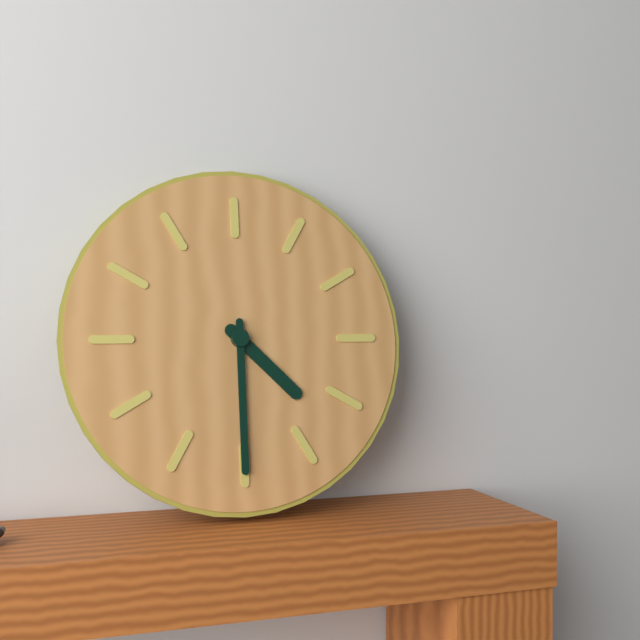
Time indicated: 4h30
